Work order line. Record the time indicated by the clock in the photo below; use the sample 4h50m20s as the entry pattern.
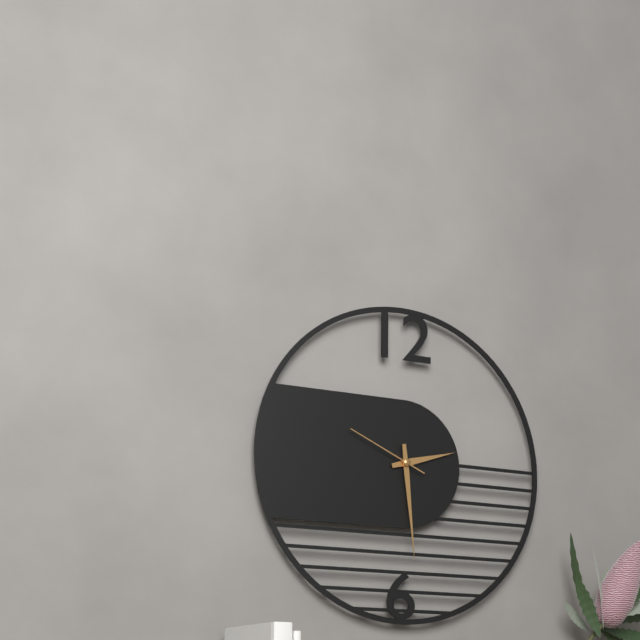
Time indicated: 2h29m49s
